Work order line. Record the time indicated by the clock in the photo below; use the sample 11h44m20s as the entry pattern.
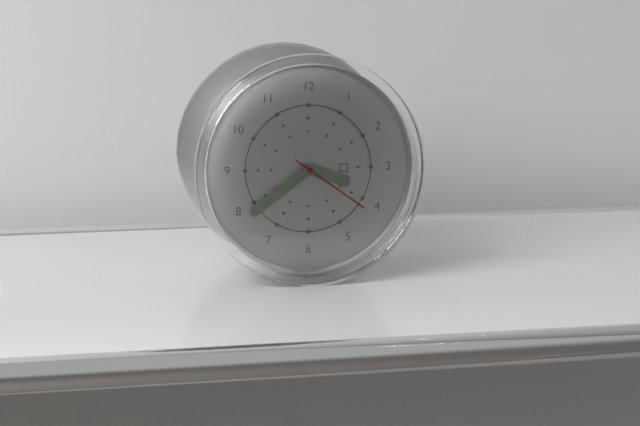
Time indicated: 3h39m21s
